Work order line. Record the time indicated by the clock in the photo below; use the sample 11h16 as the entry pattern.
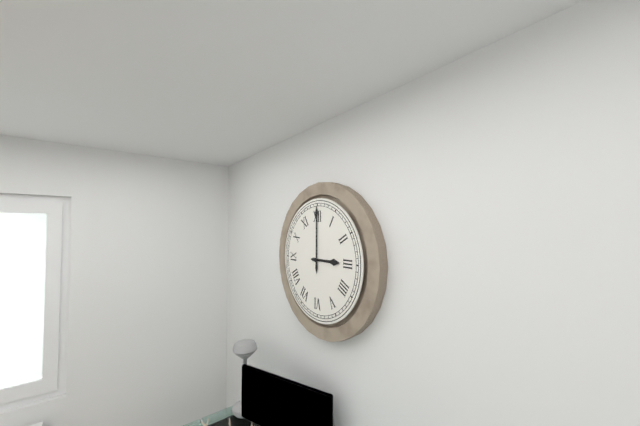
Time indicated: 3h00
